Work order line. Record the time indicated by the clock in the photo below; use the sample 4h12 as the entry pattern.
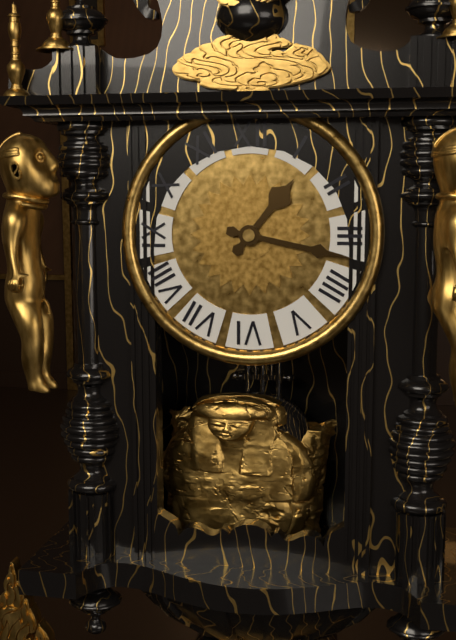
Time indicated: 1h17
